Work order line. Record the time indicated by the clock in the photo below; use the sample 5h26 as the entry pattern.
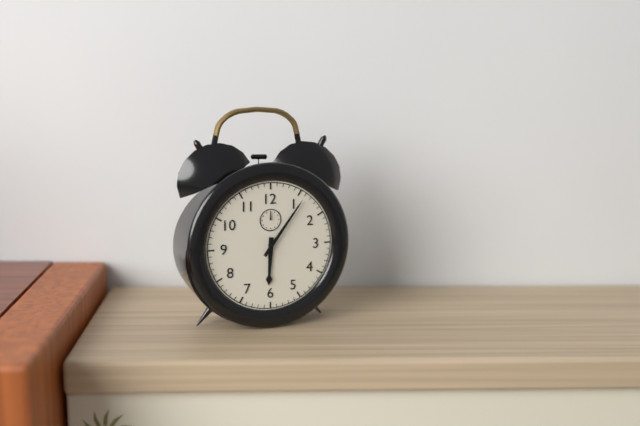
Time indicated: 6h06
